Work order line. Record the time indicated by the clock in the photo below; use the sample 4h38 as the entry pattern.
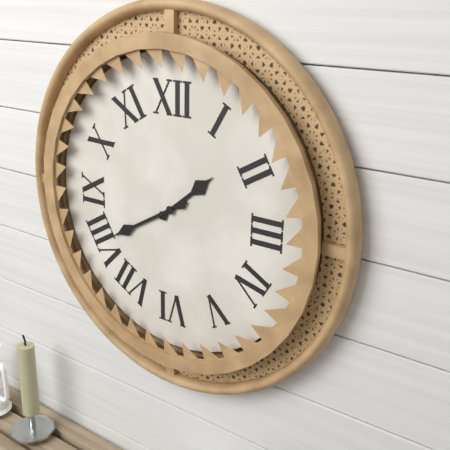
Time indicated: 1h40
